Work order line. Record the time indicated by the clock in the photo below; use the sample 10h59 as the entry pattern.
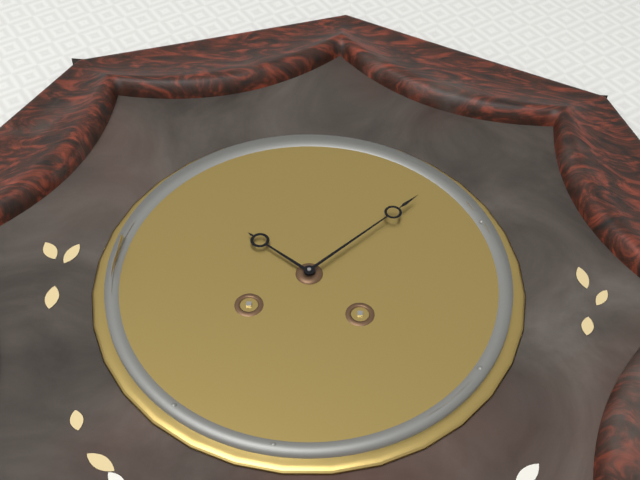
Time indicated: 10h07
